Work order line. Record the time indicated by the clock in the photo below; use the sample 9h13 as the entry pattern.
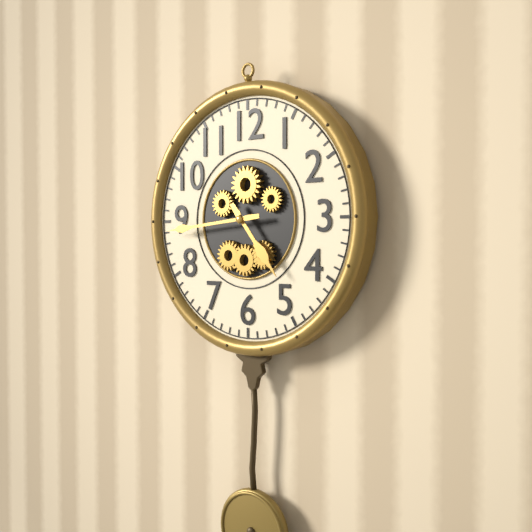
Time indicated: 4h44
